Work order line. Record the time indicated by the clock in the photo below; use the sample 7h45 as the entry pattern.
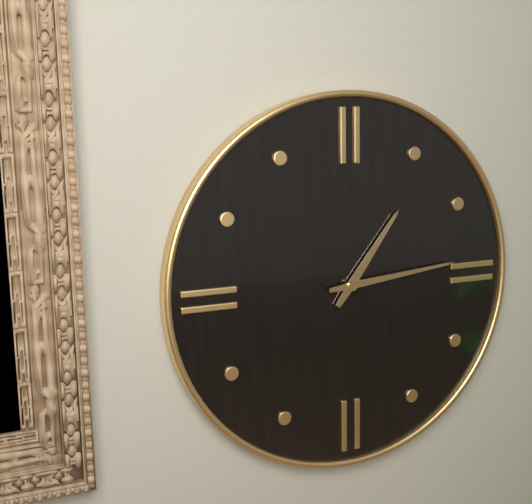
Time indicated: 1h14
